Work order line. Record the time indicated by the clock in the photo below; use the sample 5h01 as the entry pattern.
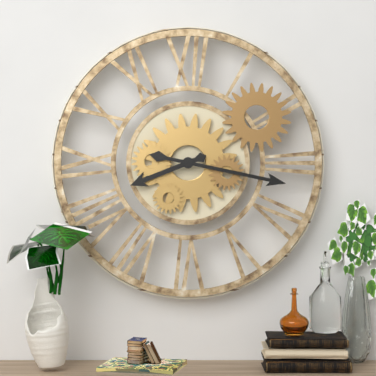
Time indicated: 8h17
